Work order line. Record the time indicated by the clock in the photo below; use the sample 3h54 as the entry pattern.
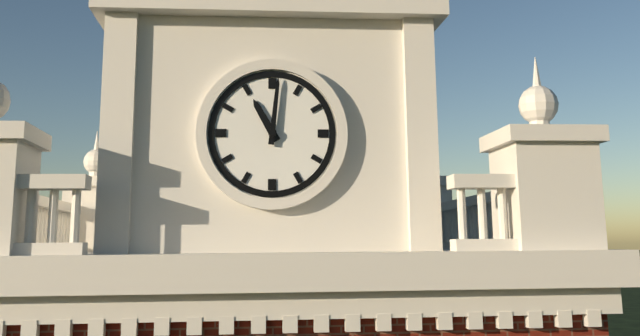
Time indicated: 11h01
